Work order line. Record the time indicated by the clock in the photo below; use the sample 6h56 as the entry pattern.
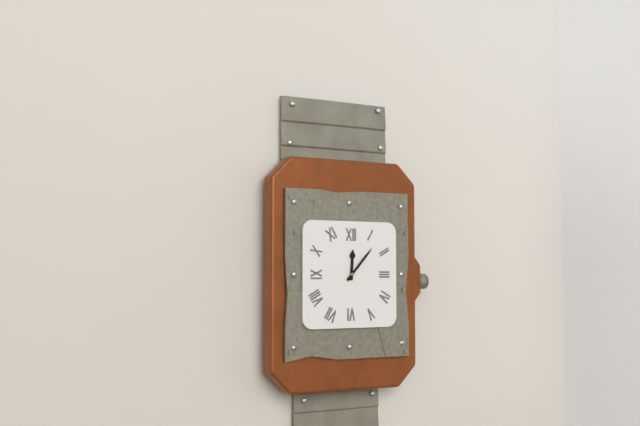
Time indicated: 12h07
